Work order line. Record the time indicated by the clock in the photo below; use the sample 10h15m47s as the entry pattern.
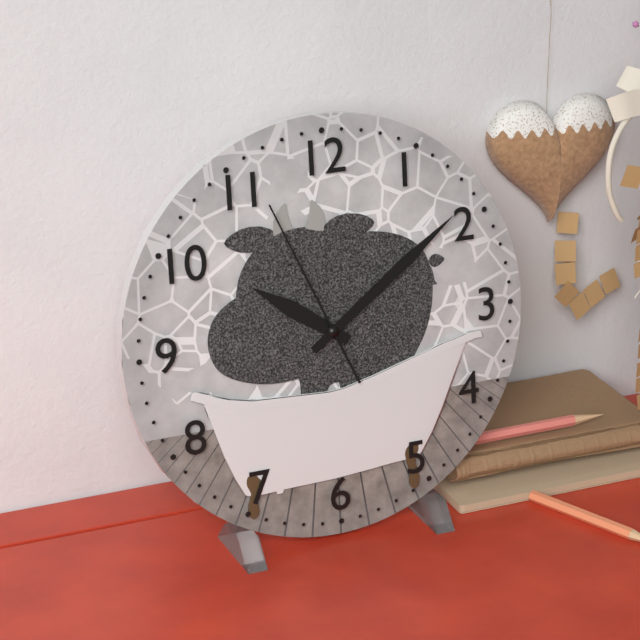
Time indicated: 10h09m56s
